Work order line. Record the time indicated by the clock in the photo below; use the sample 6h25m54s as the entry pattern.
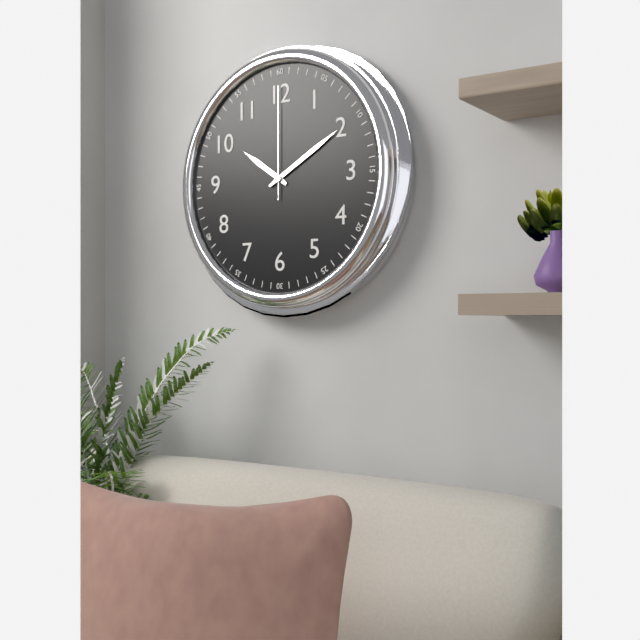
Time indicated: 10h10m00s
